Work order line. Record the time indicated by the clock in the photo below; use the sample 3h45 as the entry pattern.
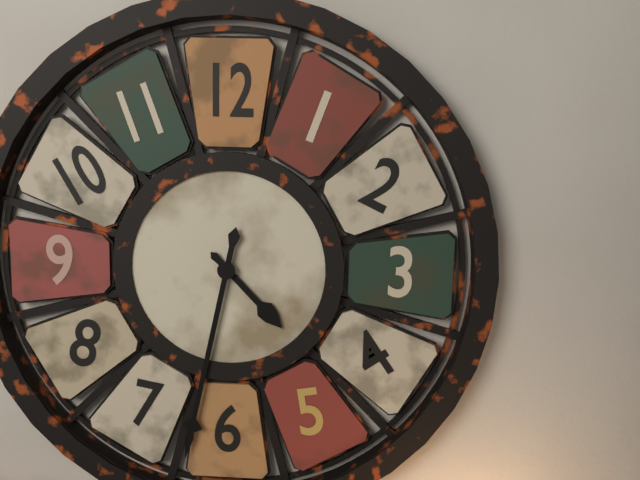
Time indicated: 4h32
